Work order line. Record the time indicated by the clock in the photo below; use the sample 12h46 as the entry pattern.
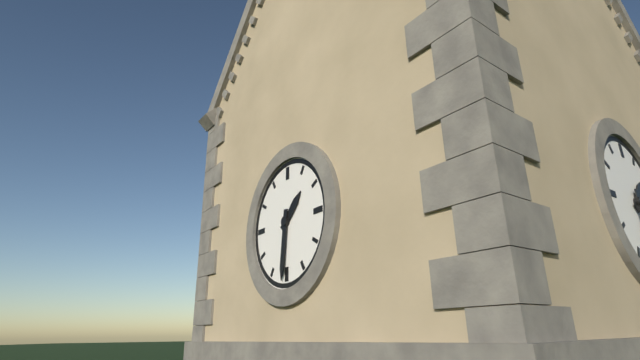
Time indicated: 1h31
